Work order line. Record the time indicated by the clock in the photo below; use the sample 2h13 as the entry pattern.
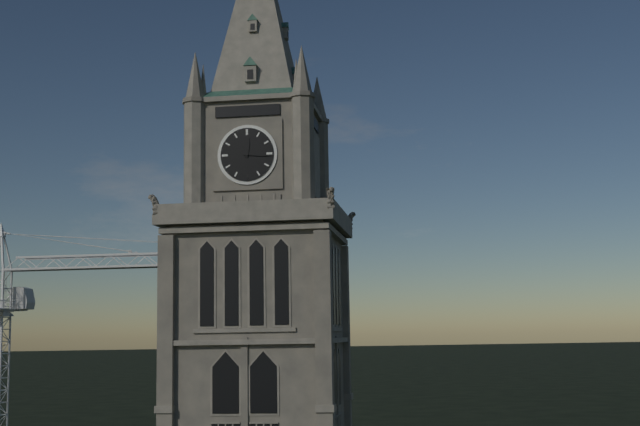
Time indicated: 12h16
